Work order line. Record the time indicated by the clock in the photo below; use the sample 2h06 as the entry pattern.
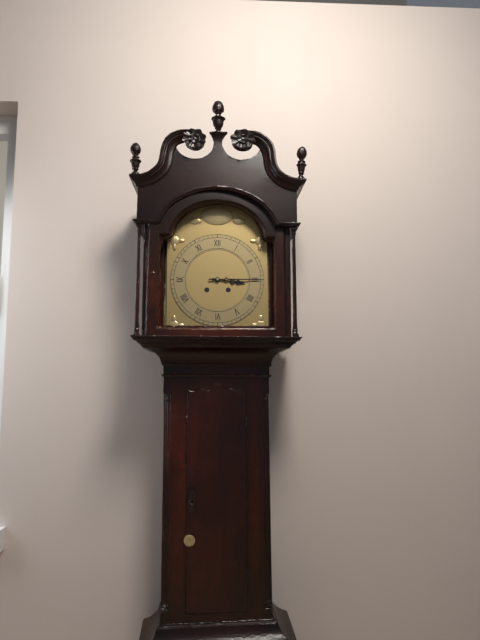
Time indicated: 3h15
